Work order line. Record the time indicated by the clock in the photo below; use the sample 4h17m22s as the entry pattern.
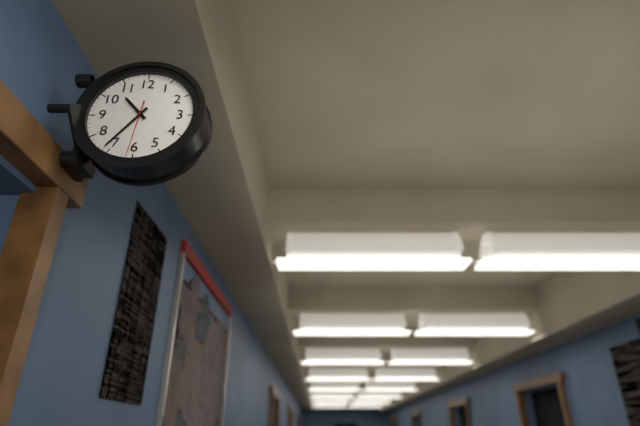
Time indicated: 10h36m31s
